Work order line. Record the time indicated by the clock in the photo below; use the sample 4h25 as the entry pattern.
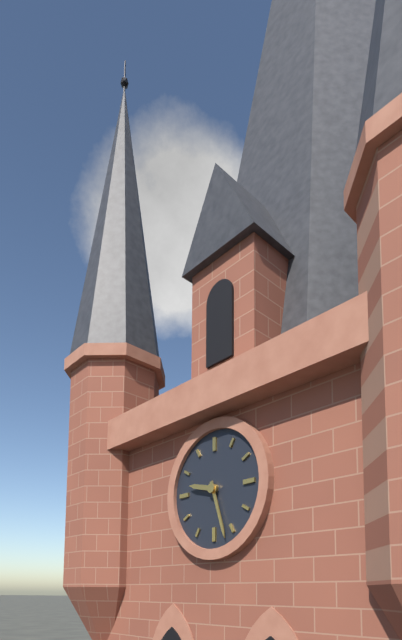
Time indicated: 9h27
